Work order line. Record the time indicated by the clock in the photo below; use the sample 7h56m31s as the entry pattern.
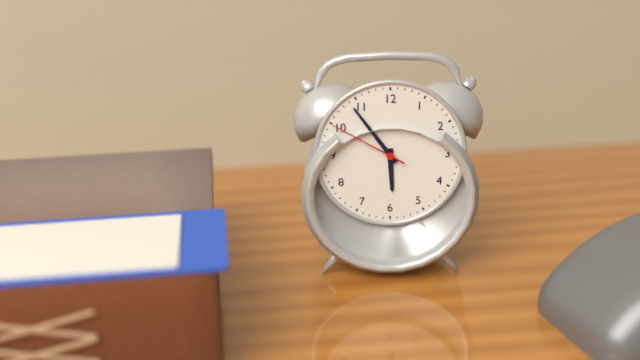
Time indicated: 5h54m50s
